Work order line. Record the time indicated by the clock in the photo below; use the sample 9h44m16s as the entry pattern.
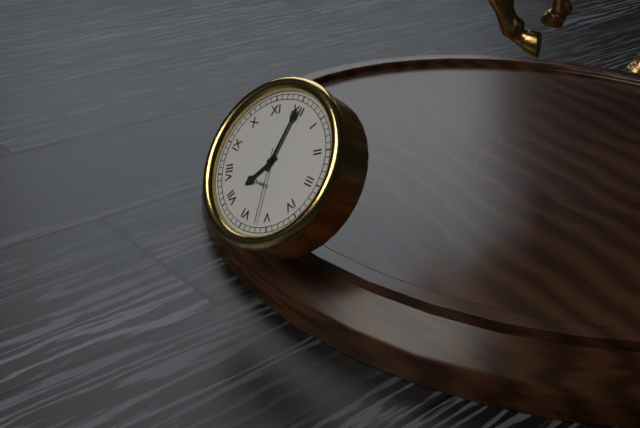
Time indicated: 7h00m27s
